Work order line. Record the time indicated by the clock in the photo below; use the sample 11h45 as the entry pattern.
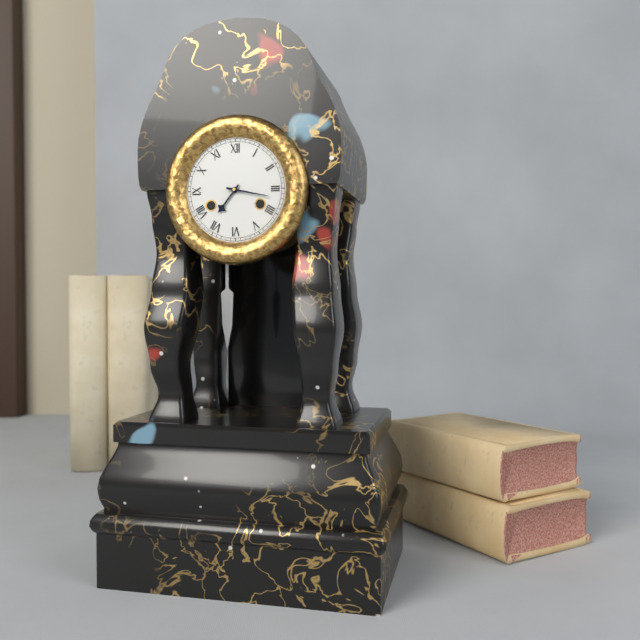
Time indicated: 7h17
